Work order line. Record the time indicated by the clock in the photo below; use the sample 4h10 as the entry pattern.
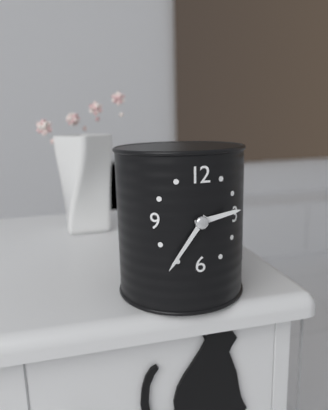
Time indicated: 2h36
